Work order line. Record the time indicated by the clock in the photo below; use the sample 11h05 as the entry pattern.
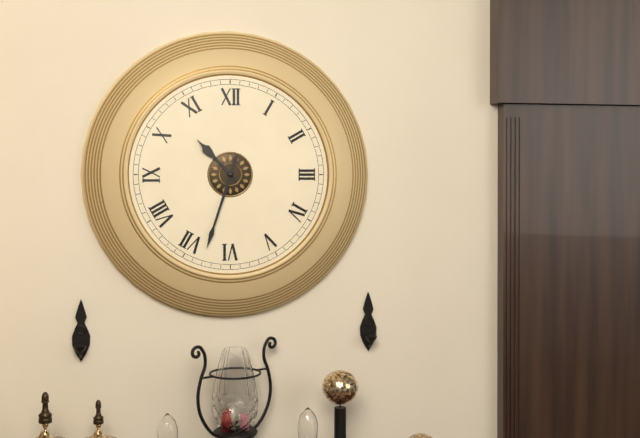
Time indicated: 10h33
